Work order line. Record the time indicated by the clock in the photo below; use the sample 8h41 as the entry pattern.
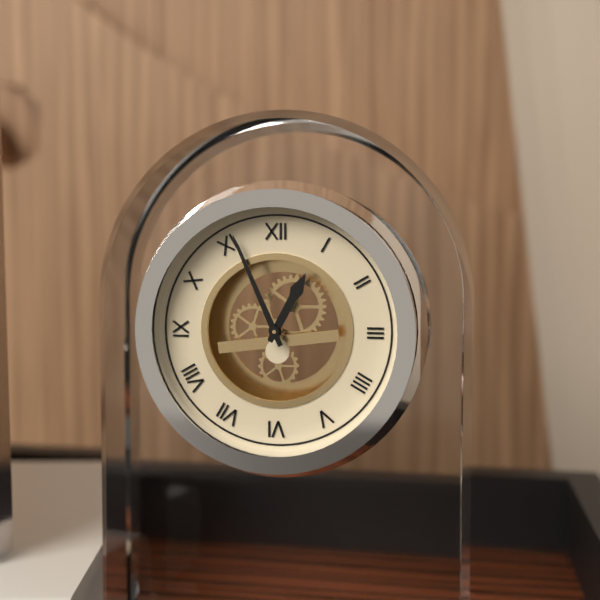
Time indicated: 12h56
